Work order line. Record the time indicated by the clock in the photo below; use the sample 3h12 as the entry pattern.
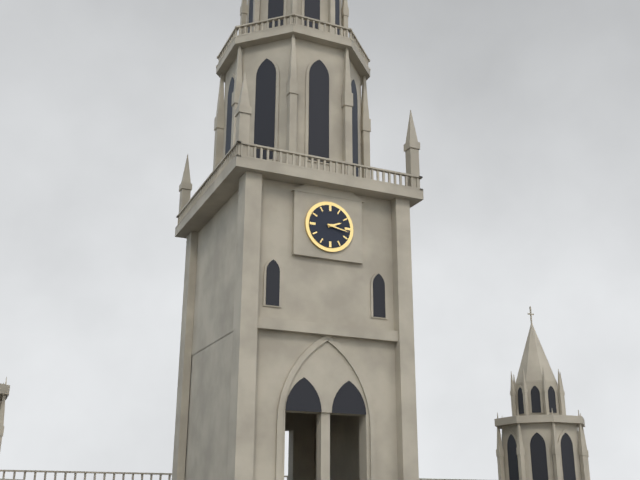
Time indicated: 2h17
